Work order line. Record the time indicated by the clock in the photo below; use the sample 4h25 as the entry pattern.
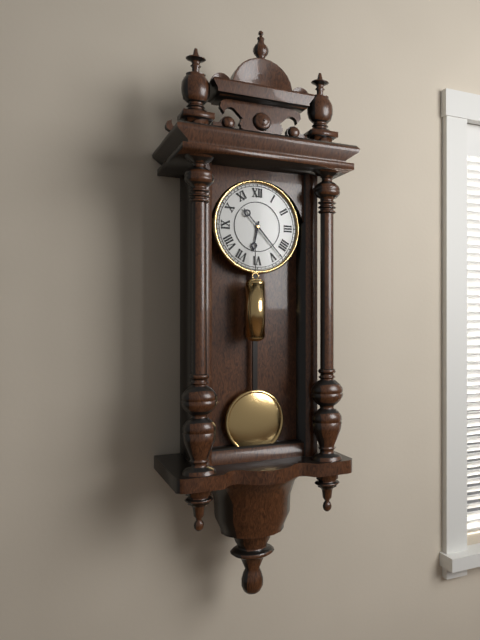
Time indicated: 6h23
